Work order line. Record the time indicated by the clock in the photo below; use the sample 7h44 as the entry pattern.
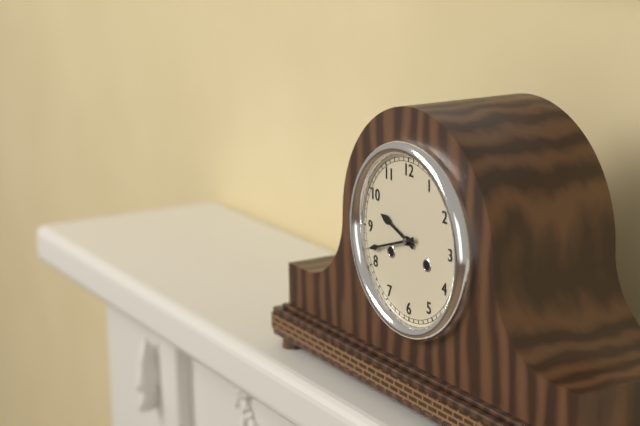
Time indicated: 9h42
